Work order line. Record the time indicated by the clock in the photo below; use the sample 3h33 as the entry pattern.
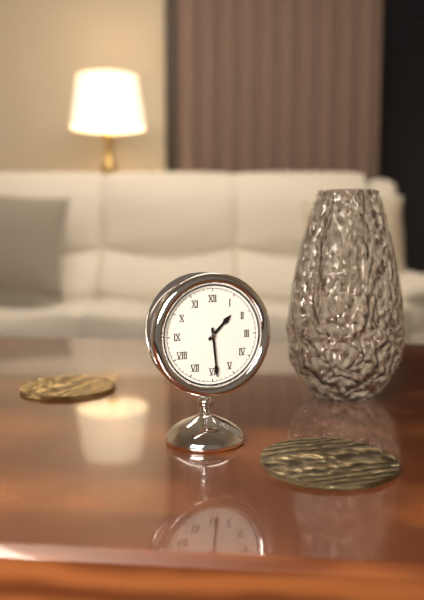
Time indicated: 1h29
